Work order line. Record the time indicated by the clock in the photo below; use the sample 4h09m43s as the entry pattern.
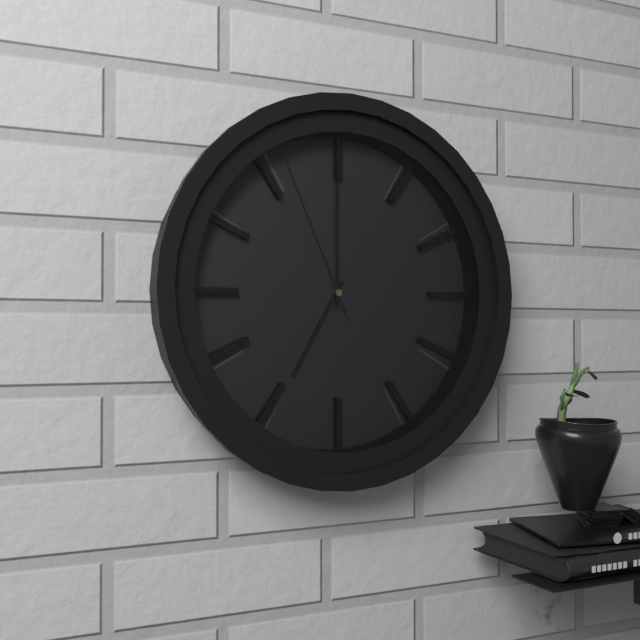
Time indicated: 7h00m56s
